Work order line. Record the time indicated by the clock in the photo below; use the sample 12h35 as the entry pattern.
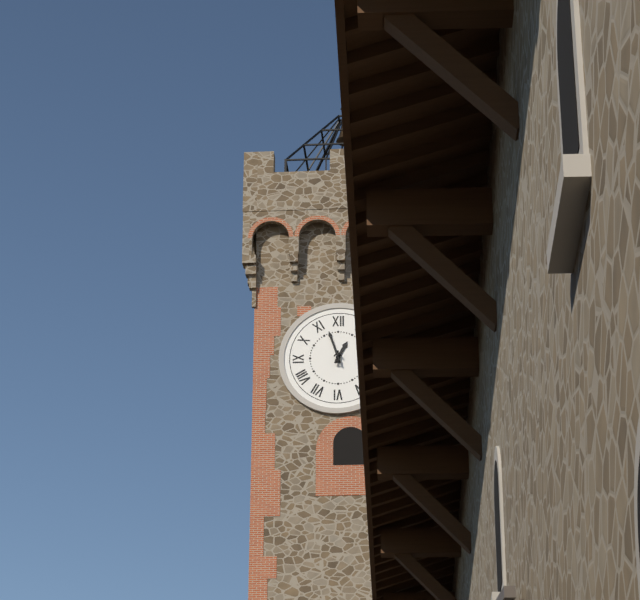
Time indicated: 12h57
